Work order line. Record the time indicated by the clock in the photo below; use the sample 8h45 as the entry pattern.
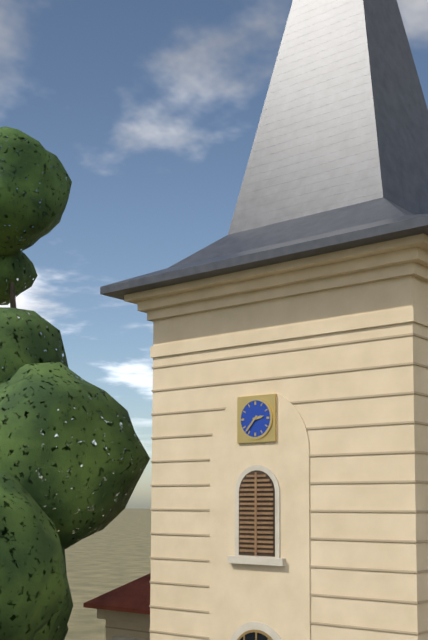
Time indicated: 2h37
